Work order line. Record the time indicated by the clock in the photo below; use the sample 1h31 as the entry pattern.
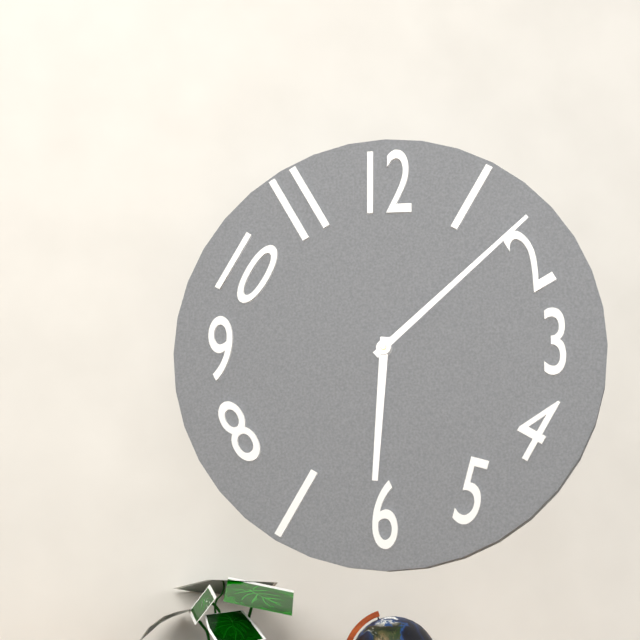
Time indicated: 6h08
